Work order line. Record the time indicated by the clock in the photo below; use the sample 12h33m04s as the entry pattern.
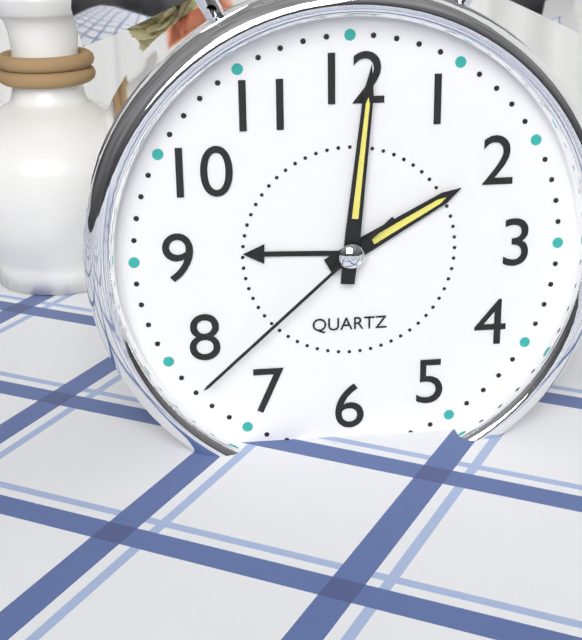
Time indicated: 2h01m38s
